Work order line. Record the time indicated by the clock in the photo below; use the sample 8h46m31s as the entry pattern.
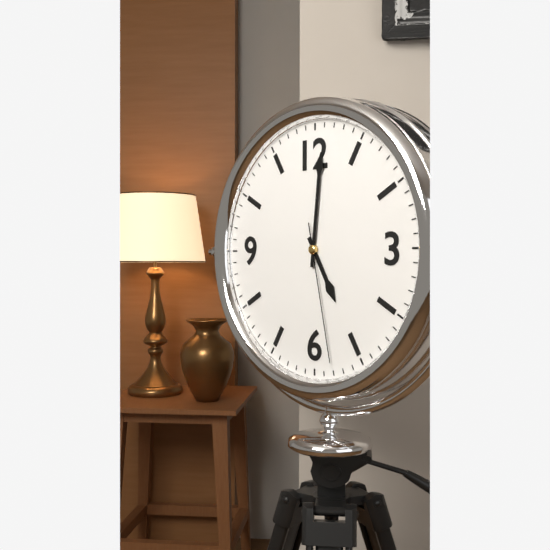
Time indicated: 5h01m28s
